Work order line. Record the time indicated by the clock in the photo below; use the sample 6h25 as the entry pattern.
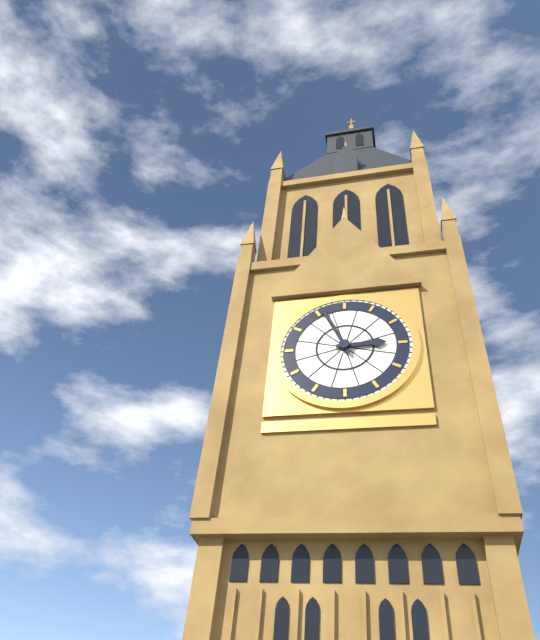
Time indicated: 2h56
